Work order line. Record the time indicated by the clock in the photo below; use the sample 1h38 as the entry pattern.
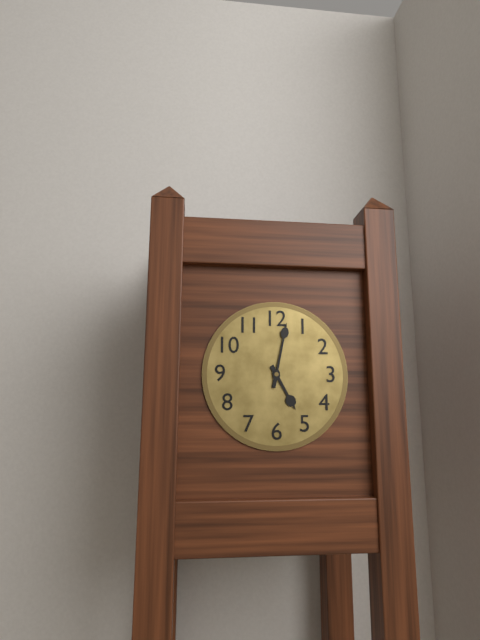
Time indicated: 5h02
